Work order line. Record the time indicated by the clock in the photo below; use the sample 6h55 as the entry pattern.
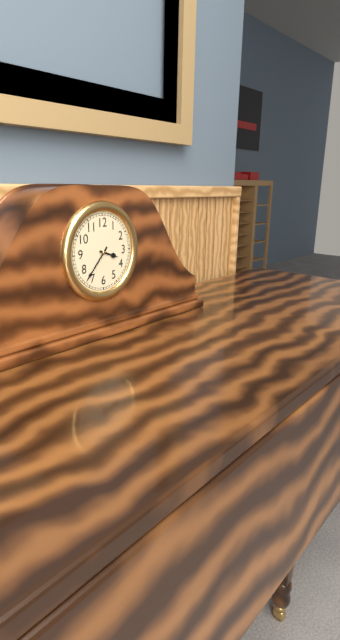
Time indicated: 3h37
